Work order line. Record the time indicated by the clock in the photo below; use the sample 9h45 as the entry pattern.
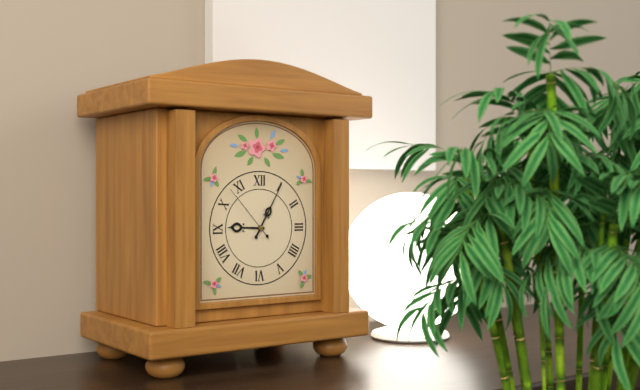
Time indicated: 9h05
